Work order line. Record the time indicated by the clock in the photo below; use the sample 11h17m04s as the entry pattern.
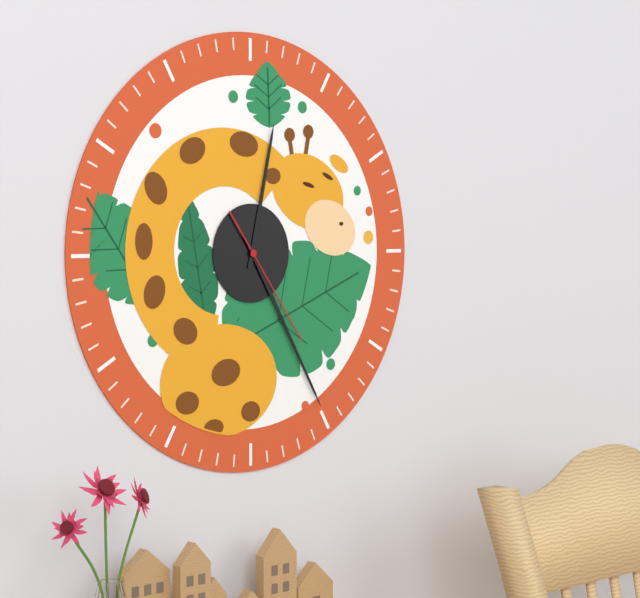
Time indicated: 12h25m24s
